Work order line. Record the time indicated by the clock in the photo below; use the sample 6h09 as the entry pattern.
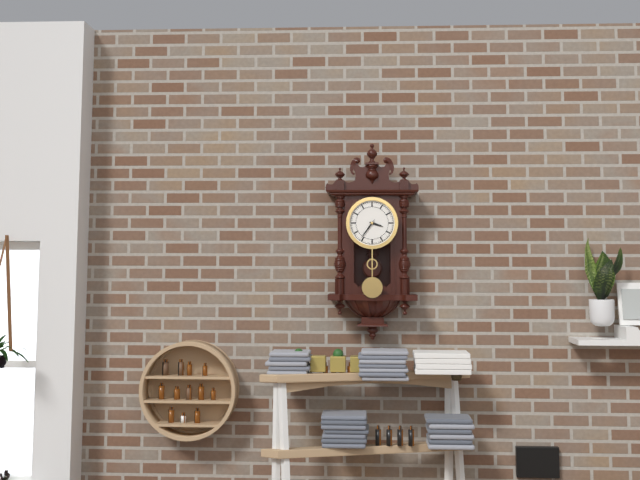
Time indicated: 3h36
